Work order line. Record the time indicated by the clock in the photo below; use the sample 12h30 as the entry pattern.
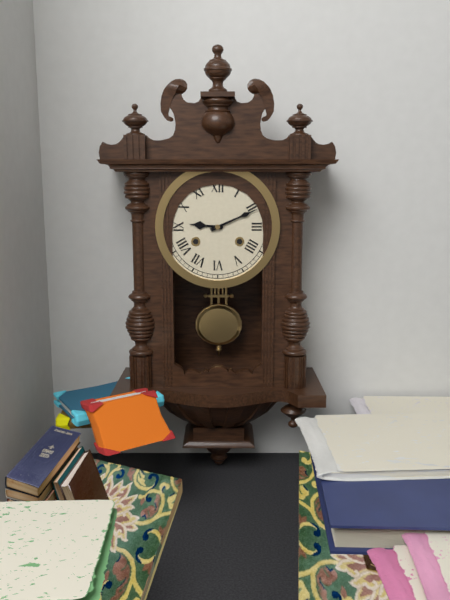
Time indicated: 9h11
